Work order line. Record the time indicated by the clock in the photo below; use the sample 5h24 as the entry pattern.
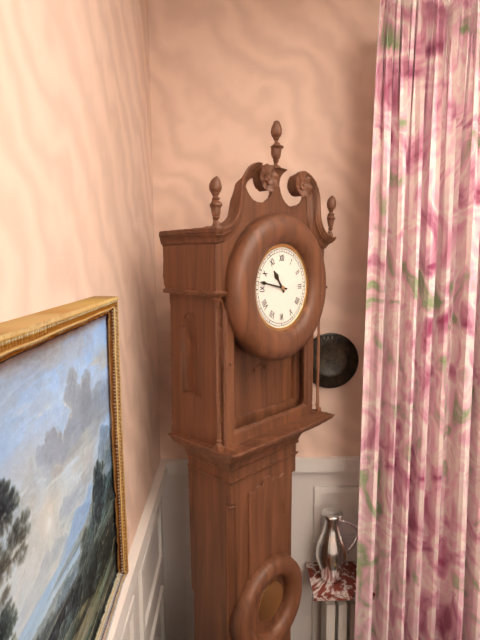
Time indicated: 10h47
